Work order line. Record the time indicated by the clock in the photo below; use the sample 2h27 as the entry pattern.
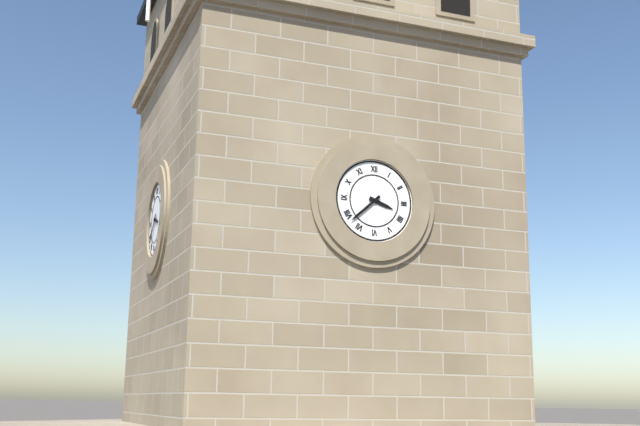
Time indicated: 3h38
